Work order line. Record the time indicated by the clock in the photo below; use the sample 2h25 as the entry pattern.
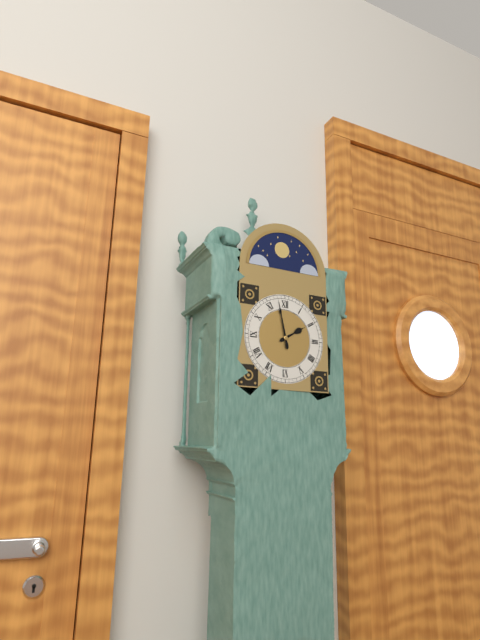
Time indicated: 1h58
